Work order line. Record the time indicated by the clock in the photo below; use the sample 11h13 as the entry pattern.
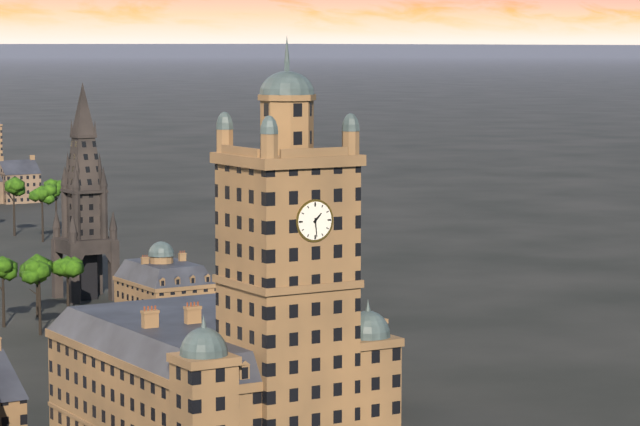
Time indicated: 1h29
